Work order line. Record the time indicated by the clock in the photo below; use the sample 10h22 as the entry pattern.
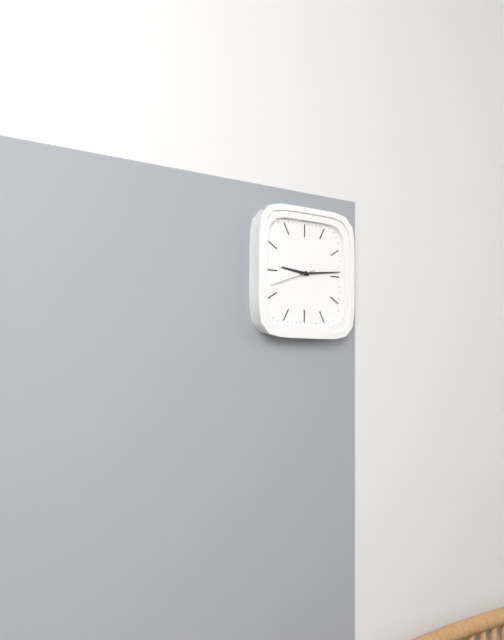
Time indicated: 9h14
